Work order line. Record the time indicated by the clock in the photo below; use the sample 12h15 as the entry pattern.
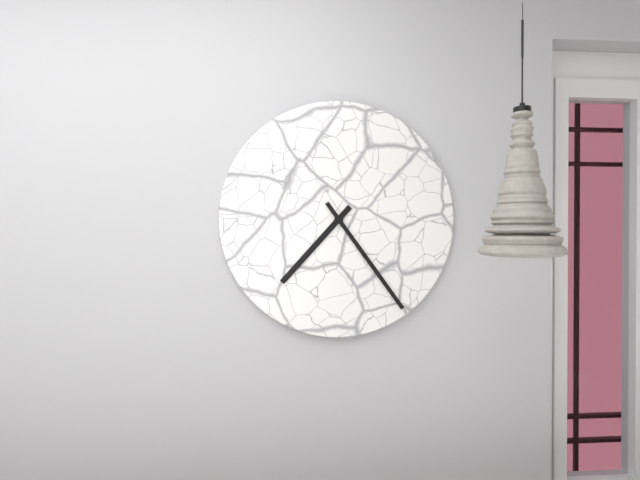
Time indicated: 7h24
